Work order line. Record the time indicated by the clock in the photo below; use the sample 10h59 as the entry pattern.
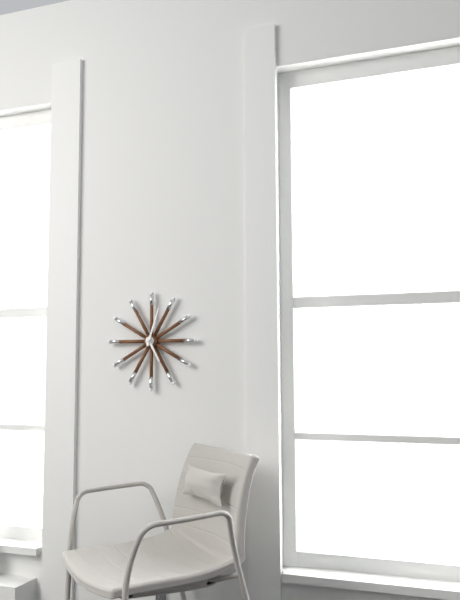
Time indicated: 5h03
